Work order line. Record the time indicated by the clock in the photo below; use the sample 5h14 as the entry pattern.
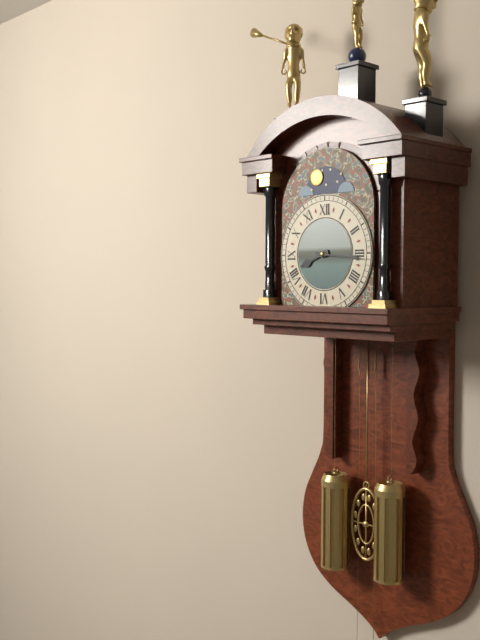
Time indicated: 8h16
